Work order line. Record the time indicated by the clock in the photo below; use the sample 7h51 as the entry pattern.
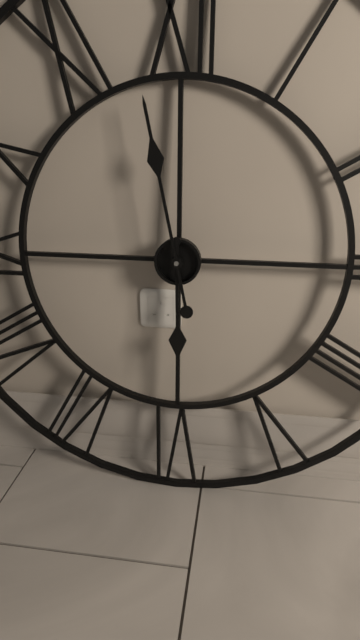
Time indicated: 5h58
